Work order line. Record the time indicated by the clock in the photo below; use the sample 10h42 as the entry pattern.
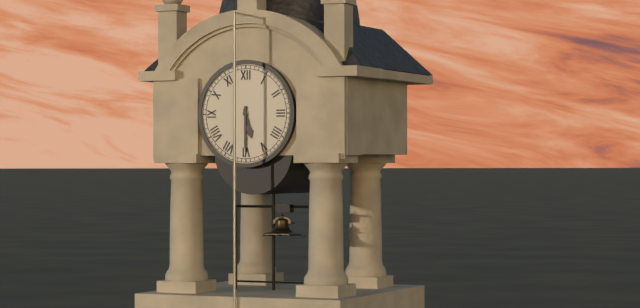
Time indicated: 5h30
